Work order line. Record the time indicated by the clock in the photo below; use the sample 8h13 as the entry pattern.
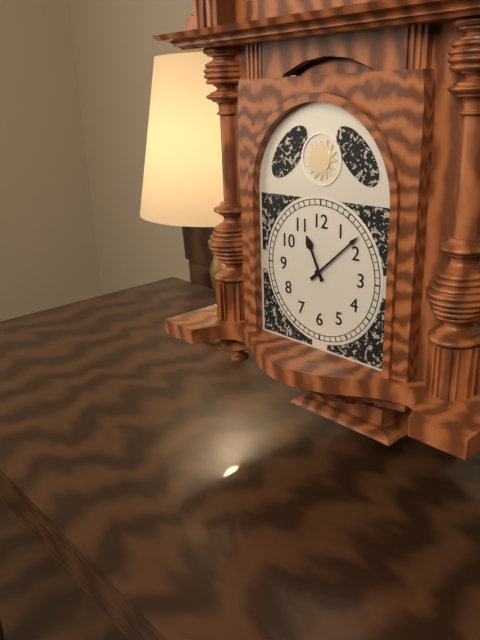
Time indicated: 11h08
